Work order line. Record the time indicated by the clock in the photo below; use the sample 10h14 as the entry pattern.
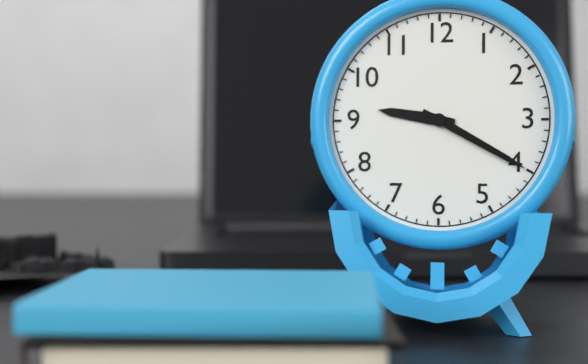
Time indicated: 9h20
